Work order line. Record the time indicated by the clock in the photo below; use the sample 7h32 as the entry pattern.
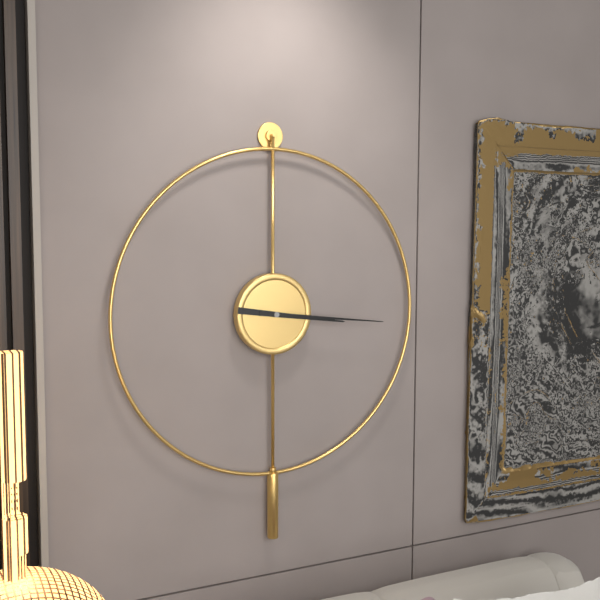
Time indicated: 3h16
